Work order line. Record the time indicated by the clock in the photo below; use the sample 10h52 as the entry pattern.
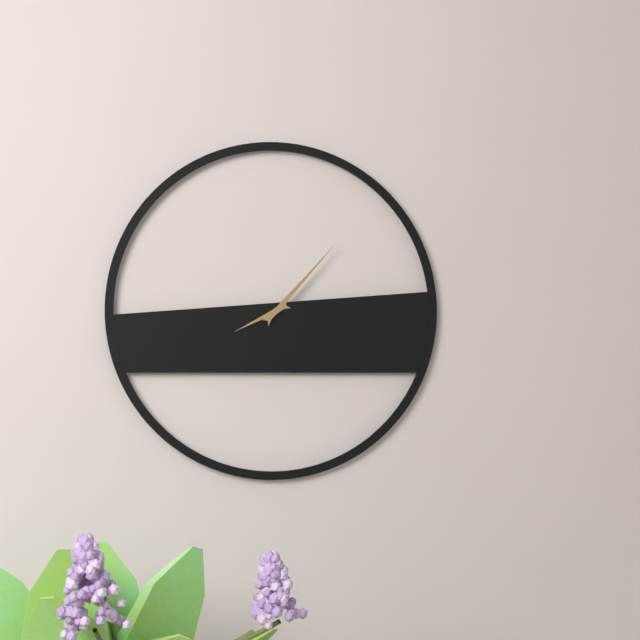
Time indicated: 8h07
